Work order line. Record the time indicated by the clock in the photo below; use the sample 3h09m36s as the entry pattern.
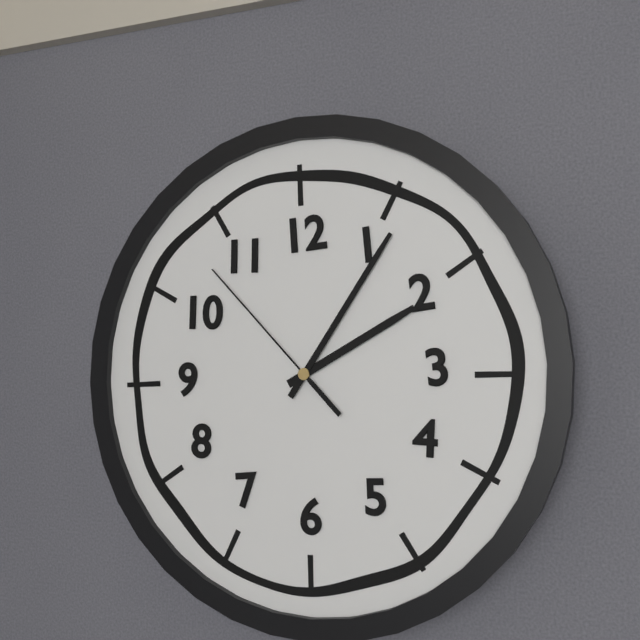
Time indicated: 2h06m53s
